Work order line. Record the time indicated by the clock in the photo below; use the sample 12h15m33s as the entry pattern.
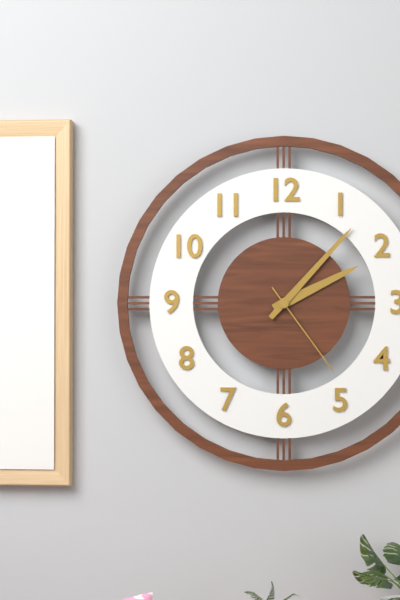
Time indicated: 2h07m24s
